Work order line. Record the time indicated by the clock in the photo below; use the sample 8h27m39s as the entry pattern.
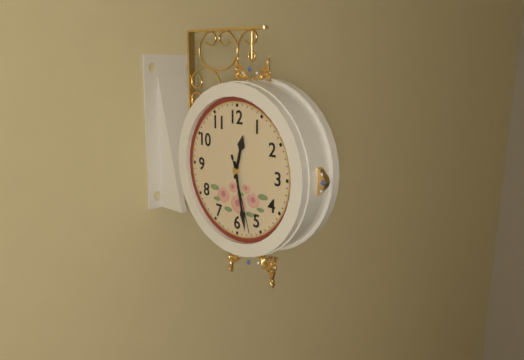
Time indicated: 12h28m27s
